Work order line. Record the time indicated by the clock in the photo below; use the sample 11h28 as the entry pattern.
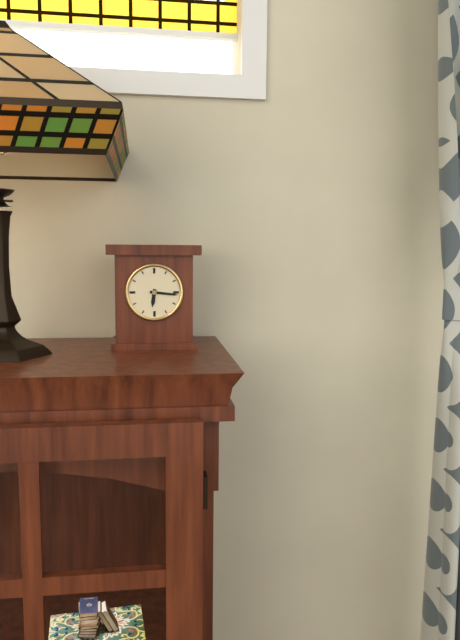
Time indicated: 6h16
